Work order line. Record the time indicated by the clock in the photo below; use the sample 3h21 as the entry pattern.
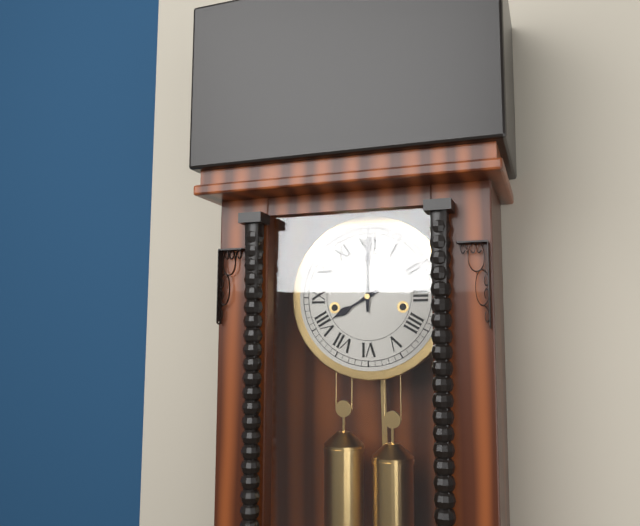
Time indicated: 8h00
